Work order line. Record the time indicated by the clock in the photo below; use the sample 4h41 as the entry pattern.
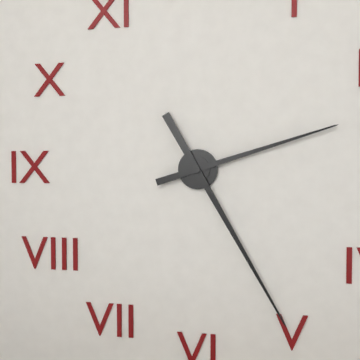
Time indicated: 2h25
